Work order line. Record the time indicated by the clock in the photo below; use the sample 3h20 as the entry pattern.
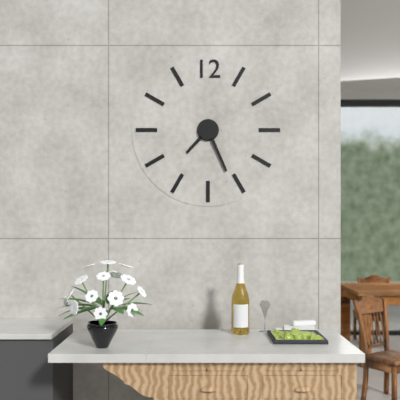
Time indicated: 7h26
